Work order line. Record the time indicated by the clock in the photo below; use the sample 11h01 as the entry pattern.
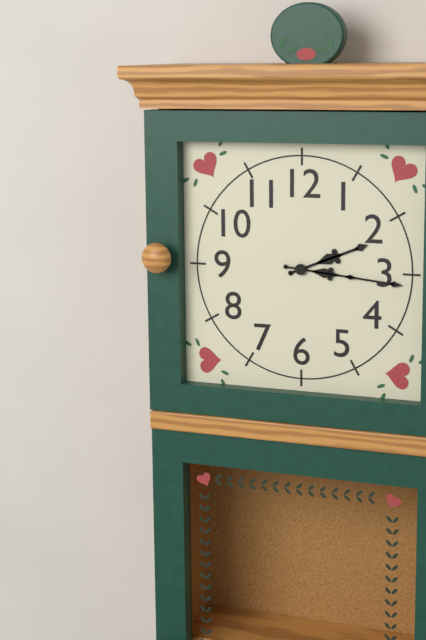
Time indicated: 2h16
